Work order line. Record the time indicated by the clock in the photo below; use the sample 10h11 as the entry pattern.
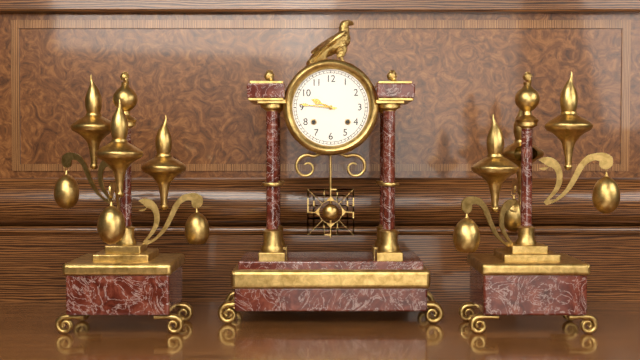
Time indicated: 9h46
